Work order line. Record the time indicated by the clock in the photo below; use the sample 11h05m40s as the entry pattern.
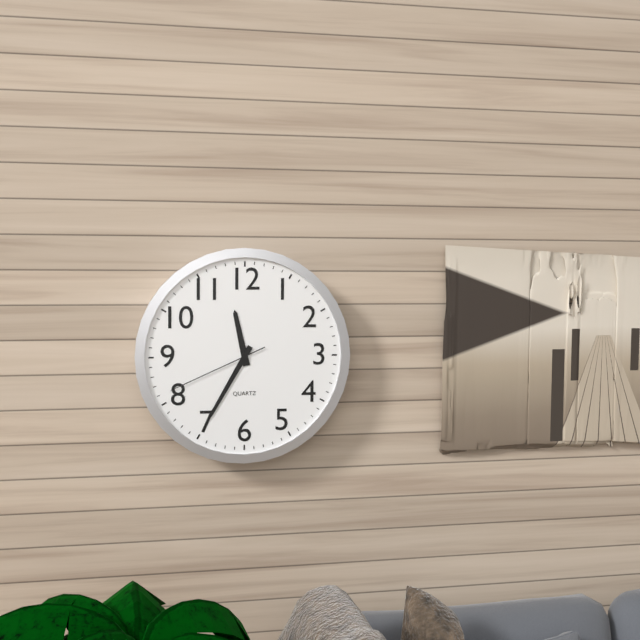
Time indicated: 11h35m41s
